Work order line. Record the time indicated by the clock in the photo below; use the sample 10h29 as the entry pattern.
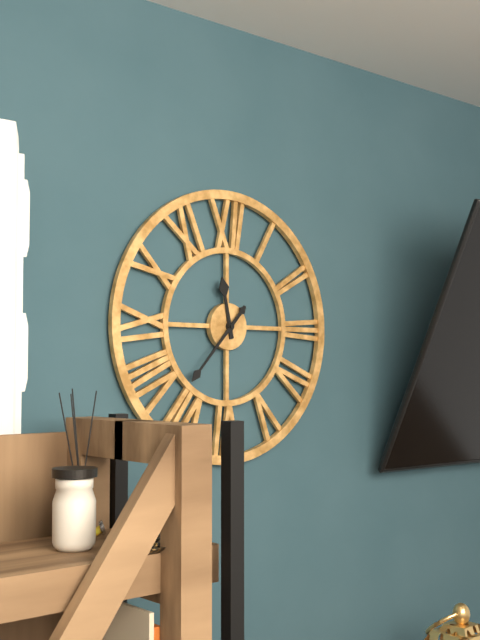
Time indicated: 11h37
